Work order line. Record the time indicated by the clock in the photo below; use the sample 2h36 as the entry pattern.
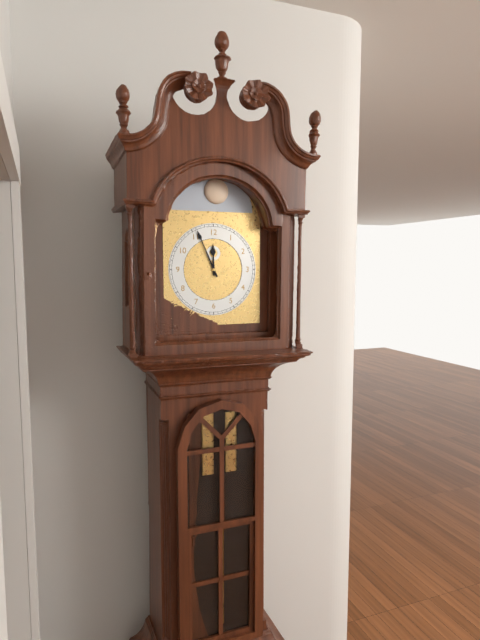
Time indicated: 11h56
